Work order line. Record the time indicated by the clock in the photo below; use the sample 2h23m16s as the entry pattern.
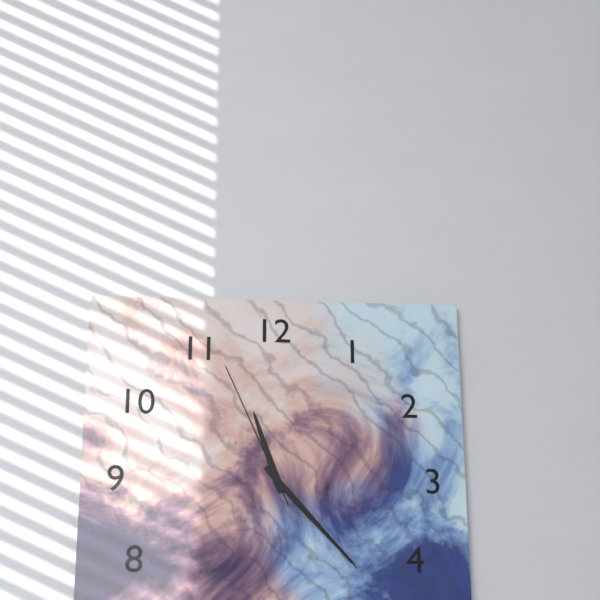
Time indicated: 11h23m56s
